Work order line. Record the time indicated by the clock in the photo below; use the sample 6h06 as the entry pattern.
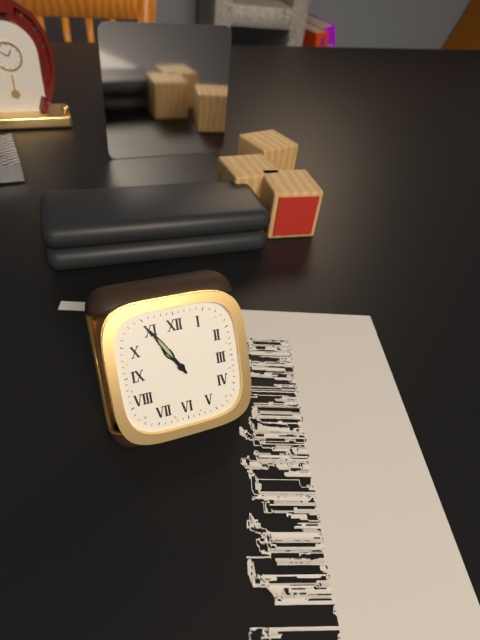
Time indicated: 10h55
